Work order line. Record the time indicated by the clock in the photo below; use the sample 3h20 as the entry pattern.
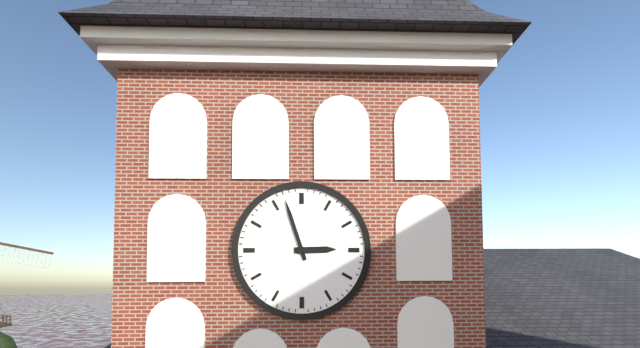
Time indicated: 2h57
